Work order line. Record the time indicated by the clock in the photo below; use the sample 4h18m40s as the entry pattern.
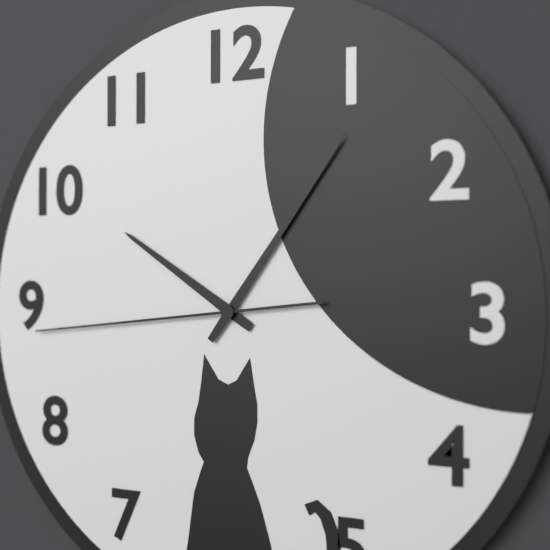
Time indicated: 10h06m44s
